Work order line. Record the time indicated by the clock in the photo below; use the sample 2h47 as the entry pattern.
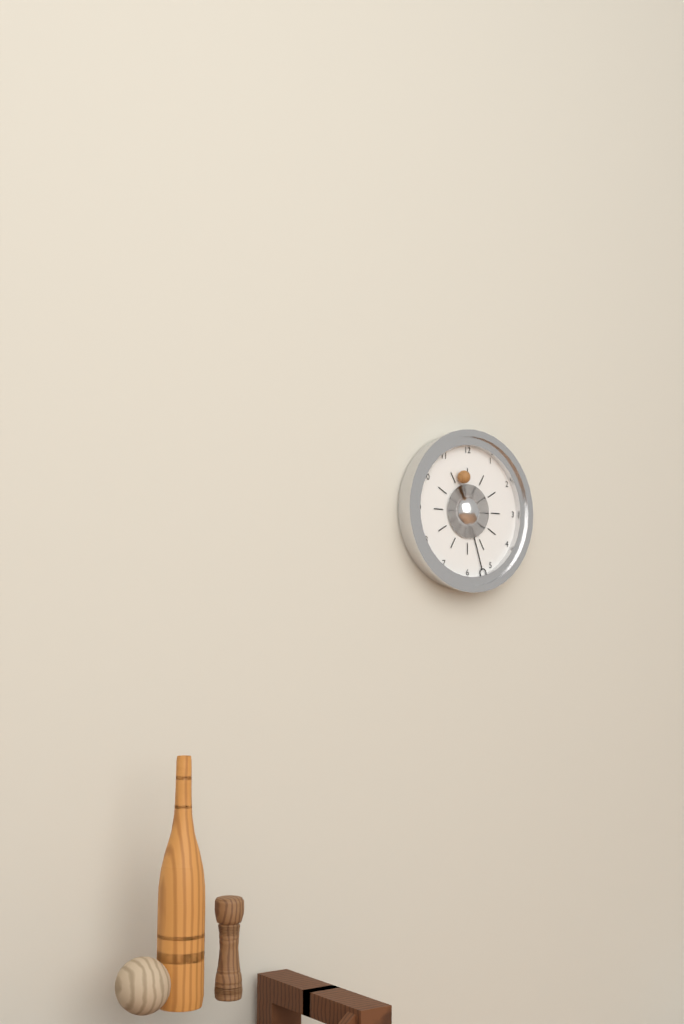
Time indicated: 11h27
